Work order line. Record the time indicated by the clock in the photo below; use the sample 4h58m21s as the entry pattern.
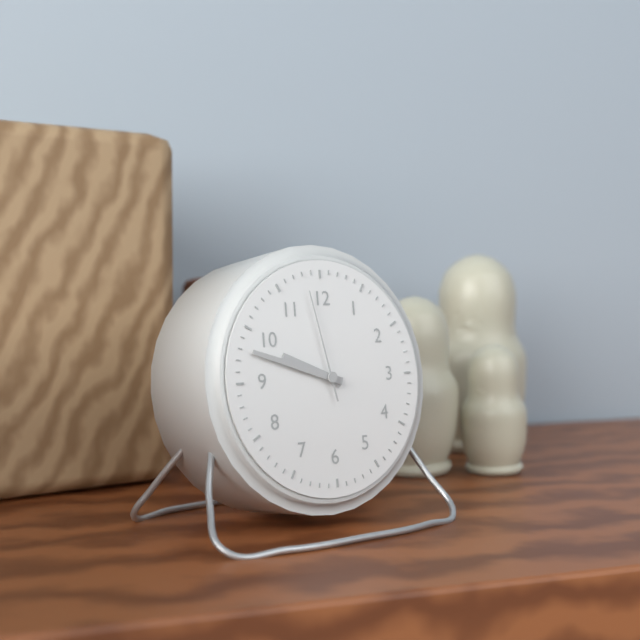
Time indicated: 9h48m58s
